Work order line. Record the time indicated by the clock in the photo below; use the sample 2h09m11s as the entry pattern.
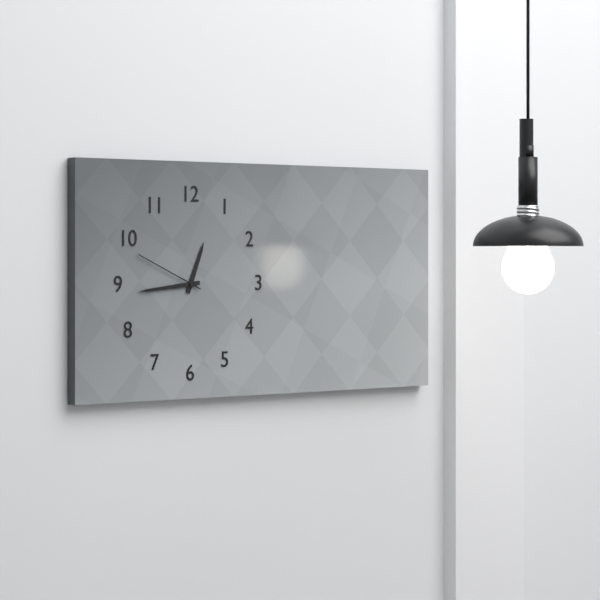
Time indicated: 12h44m49s
